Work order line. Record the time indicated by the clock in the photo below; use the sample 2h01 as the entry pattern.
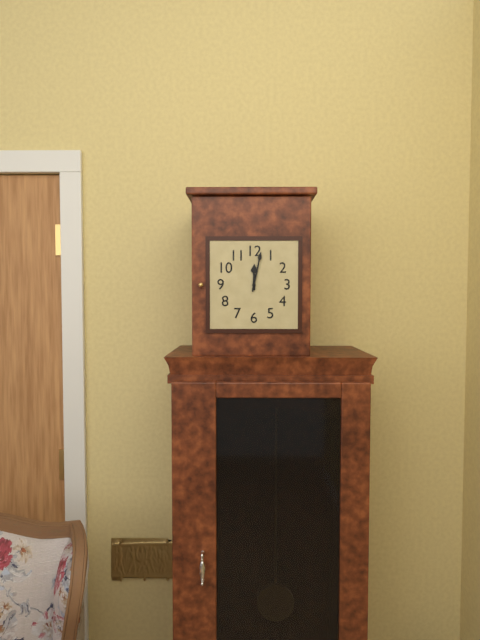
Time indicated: 12h02
